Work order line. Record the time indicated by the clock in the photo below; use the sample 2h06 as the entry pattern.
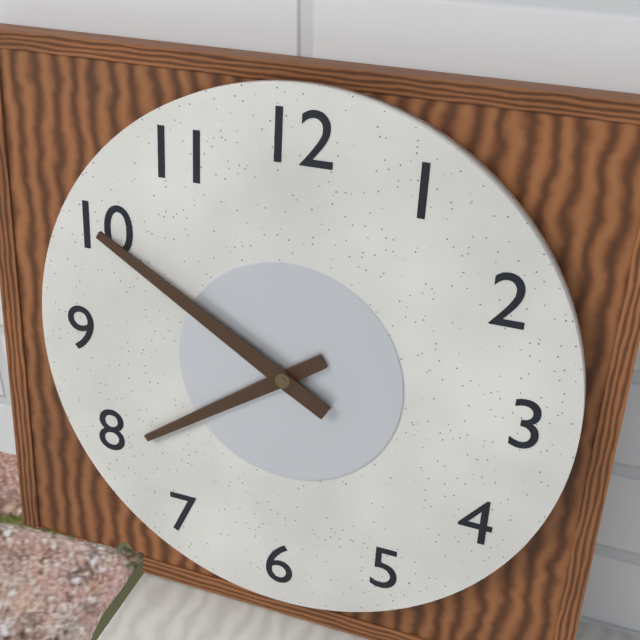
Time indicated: 7h50
